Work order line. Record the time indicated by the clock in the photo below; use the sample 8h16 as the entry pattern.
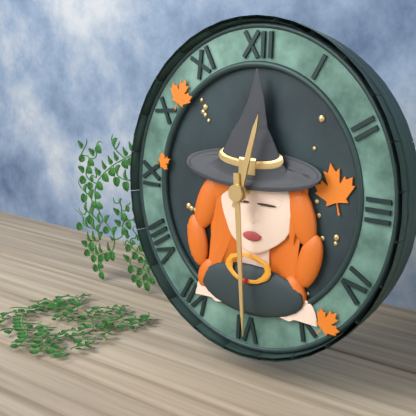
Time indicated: 12h29
